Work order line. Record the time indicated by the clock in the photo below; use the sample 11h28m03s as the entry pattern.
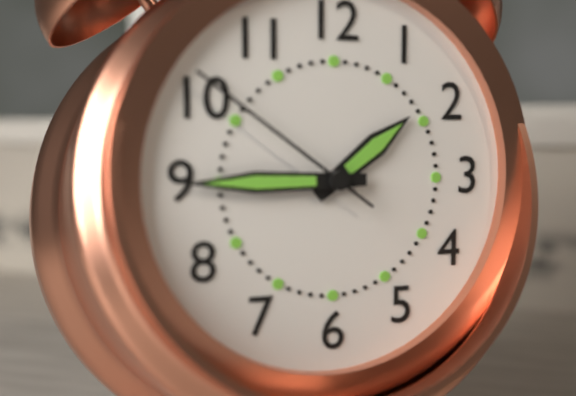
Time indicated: 1h45m51s
